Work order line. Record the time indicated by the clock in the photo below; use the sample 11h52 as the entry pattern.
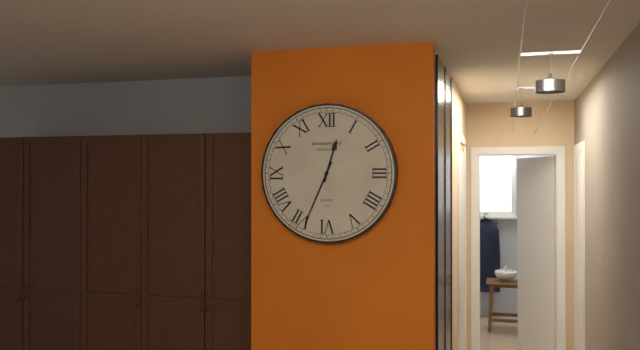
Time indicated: 12h34
